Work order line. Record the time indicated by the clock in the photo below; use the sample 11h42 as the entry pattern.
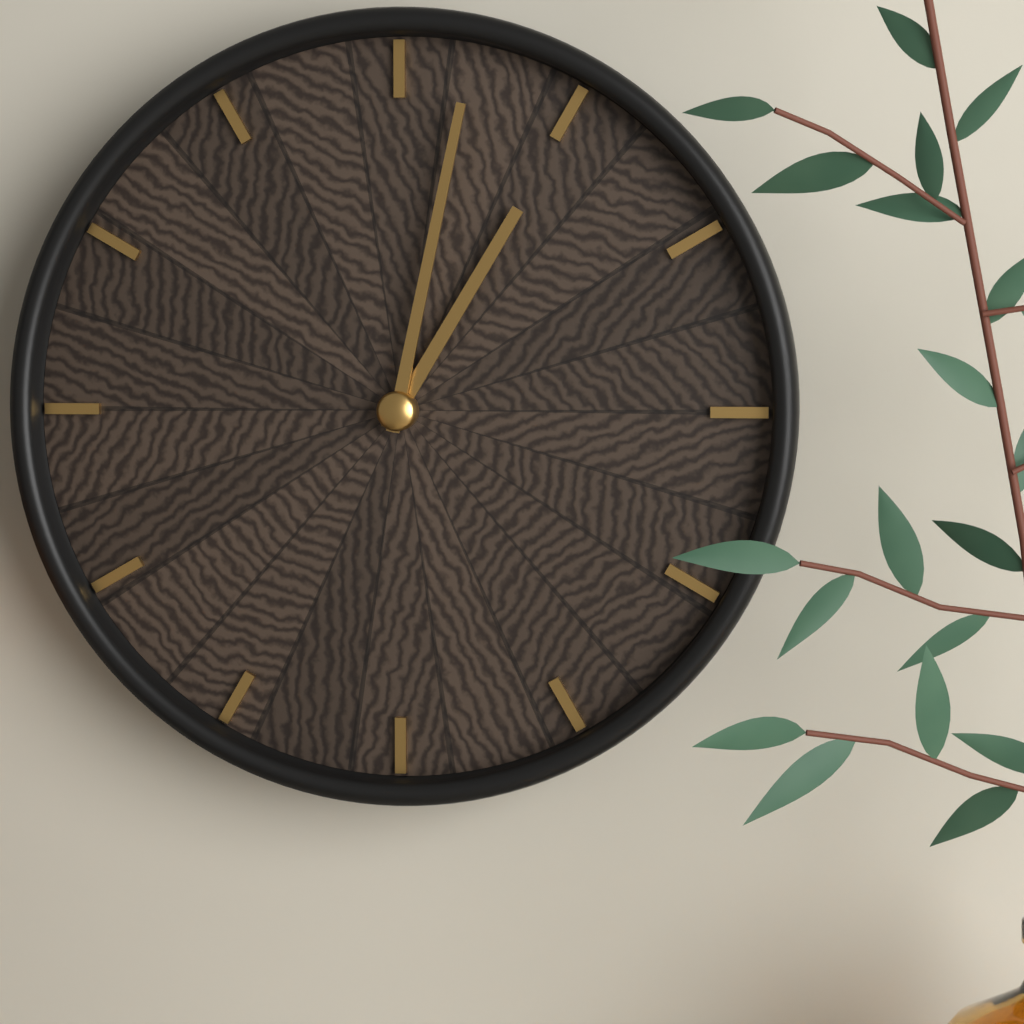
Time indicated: 1h02
